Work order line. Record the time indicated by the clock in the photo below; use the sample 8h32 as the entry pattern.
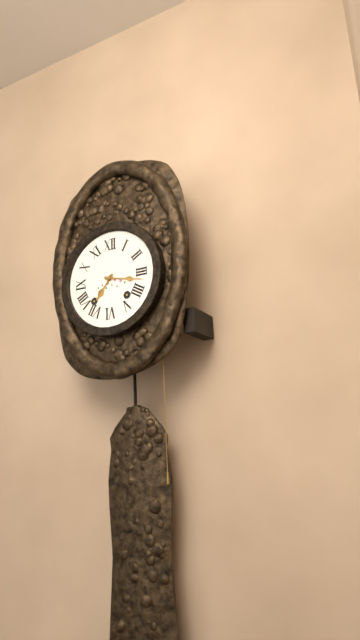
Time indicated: 7h17
